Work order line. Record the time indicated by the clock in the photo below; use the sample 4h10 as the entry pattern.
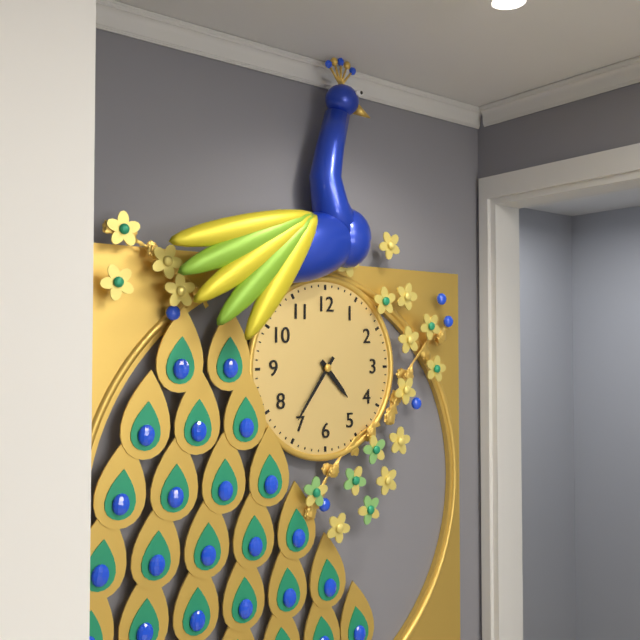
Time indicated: 4h36
